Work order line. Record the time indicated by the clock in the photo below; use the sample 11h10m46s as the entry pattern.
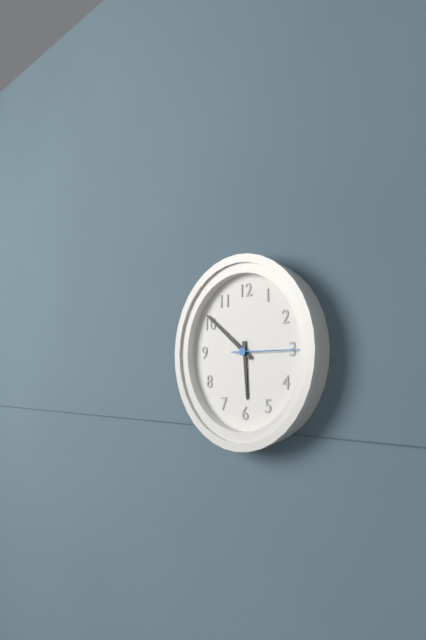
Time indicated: 5h51m15s
